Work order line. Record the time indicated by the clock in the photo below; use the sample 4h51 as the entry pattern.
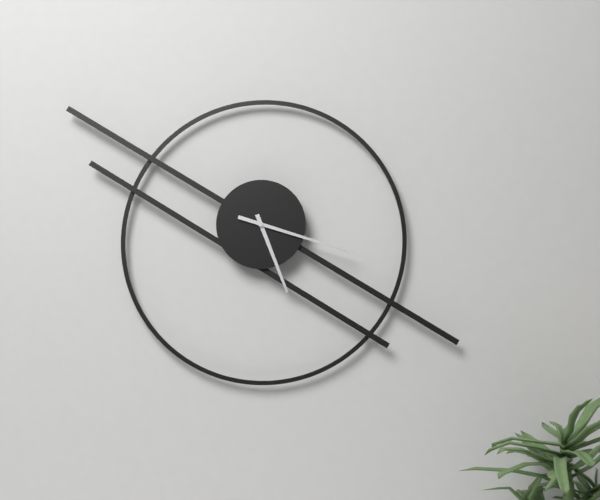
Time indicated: 5h18
